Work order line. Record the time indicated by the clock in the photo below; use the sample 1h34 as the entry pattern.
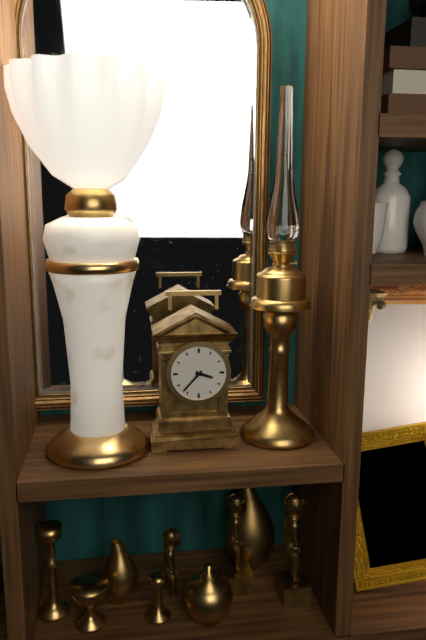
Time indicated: 3h37
